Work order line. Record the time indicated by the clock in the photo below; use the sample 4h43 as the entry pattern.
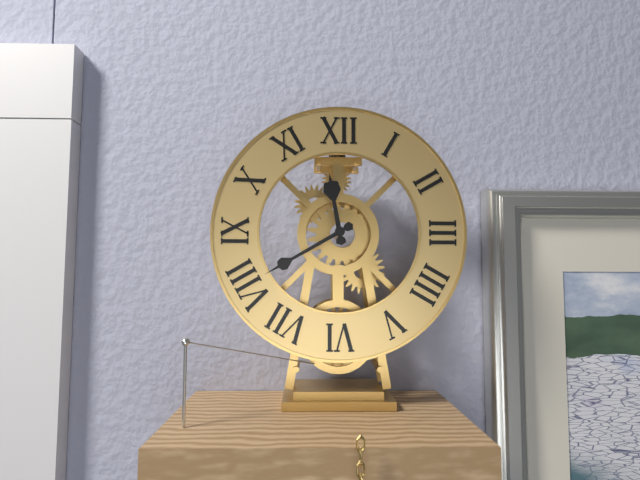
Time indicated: 11h40
